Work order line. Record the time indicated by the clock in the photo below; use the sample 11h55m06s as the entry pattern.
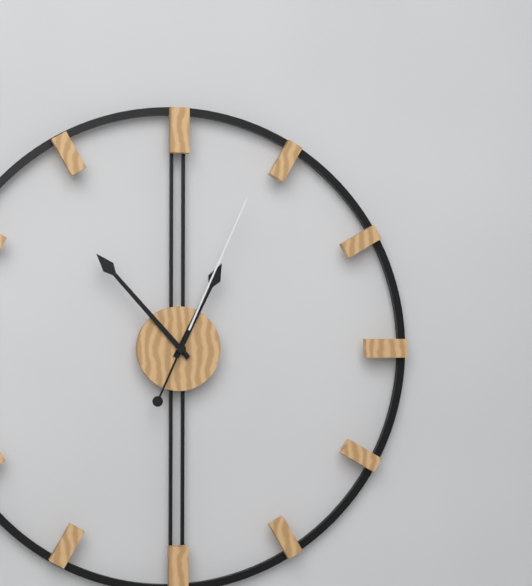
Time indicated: 12h53m04s
